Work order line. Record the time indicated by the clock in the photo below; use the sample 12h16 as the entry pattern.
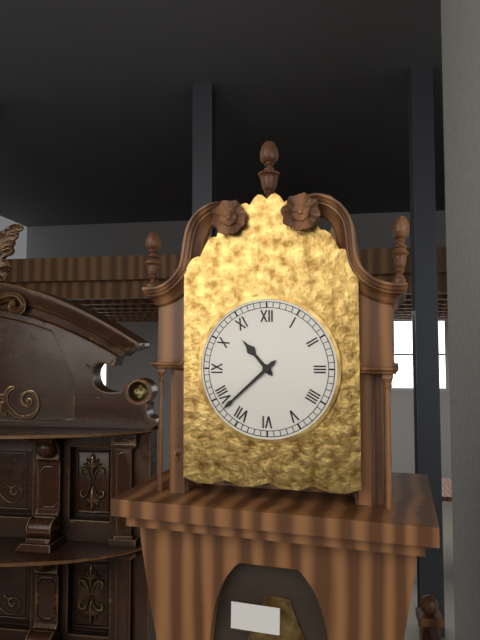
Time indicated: 10h38
